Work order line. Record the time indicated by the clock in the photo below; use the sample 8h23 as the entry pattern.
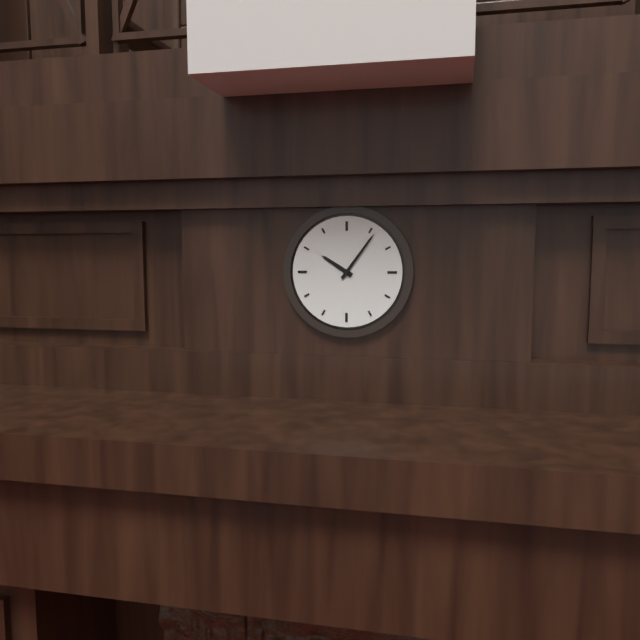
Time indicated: 10h06
